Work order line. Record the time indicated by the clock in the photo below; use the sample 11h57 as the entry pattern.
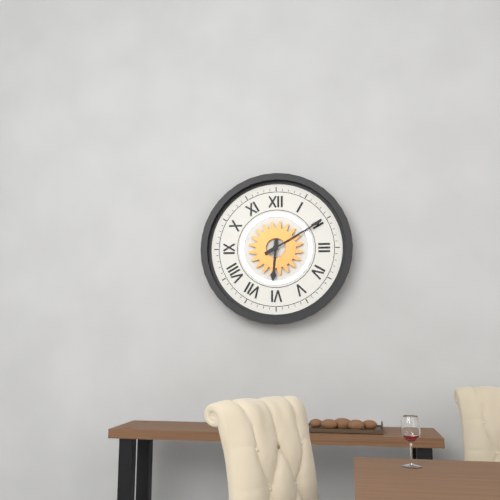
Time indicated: 6h10
